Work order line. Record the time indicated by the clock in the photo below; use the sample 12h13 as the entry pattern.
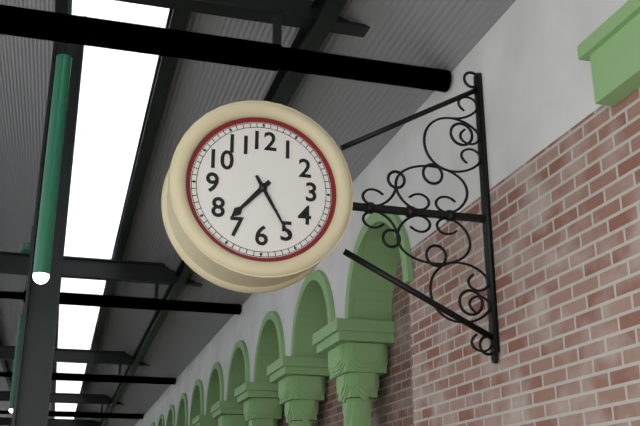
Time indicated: 7h25
